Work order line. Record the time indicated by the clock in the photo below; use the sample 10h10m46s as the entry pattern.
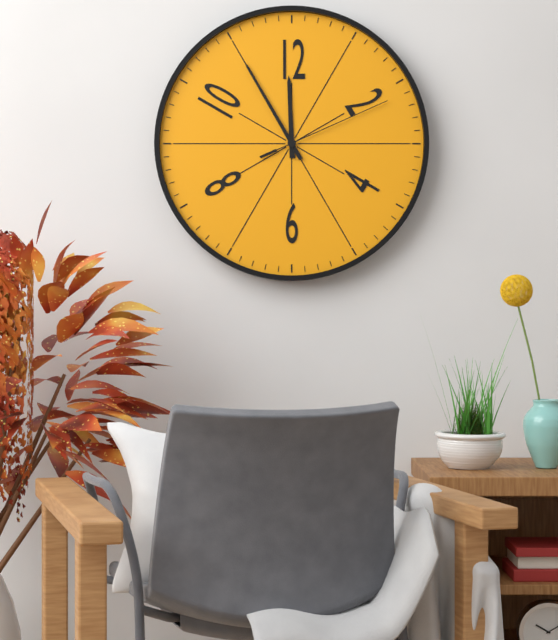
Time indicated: 11h55m11s
